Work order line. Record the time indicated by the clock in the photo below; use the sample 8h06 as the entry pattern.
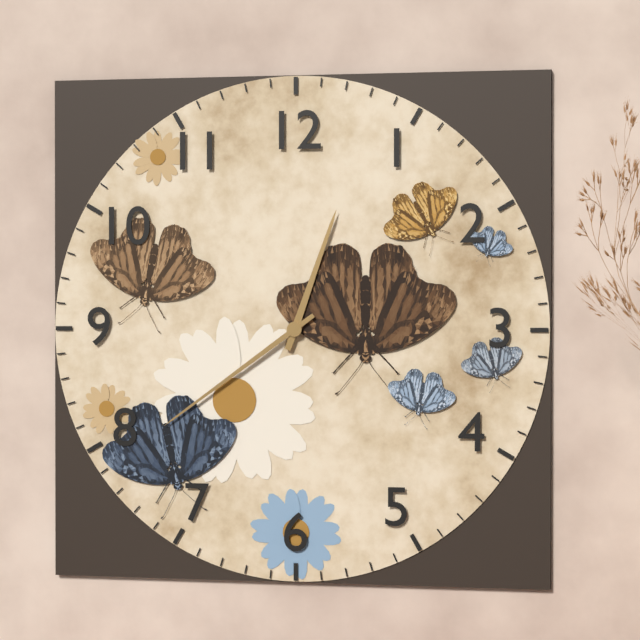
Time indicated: 12h39
